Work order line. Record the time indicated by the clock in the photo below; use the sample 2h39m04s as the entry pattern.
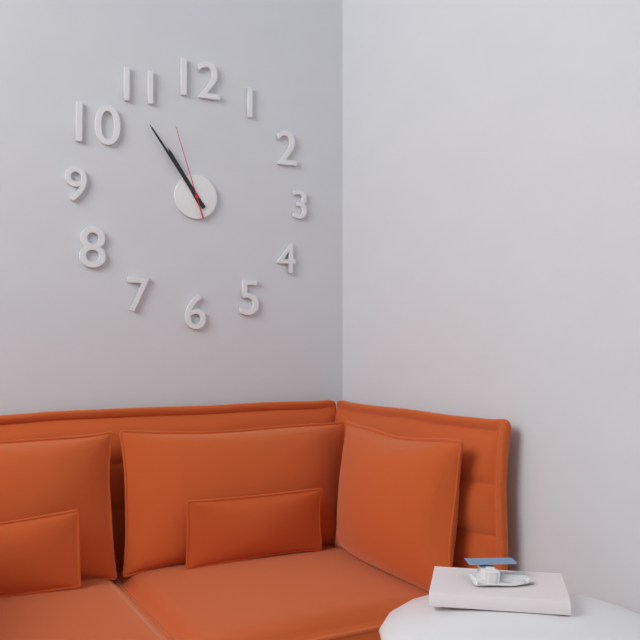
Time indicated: 10h54m57s
